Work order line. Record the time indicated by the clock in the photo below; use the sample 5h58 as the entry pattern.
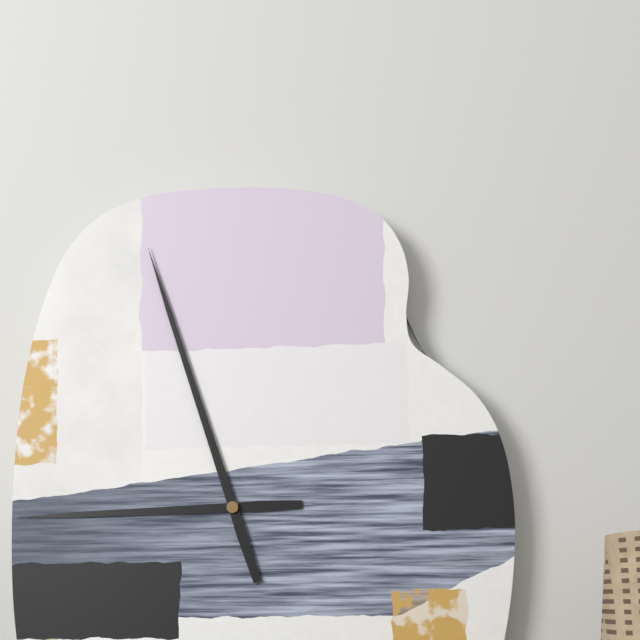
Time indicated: 8h57
